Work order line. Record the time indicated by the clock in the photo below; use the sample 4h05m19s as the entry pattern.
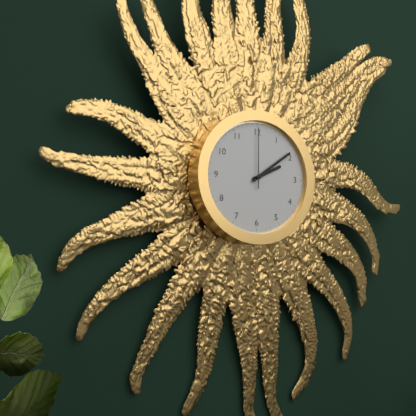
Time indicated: 2h09m00s
